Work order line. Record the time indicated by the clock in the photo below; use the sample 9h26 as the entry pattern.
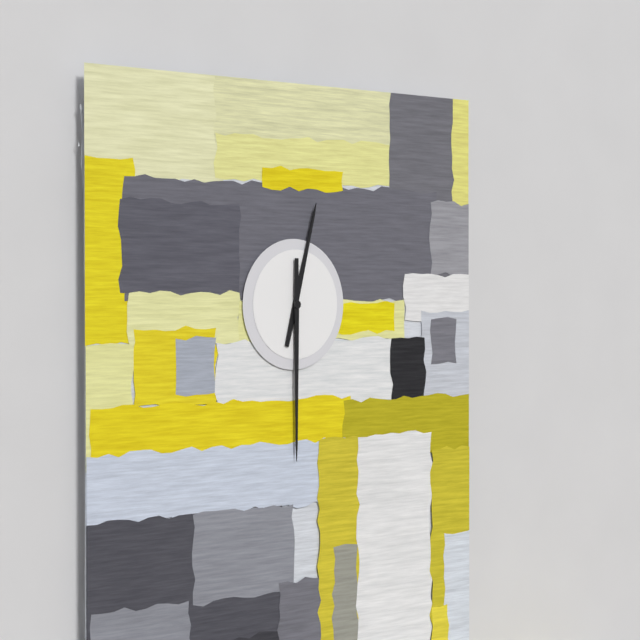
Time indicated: 12h30
